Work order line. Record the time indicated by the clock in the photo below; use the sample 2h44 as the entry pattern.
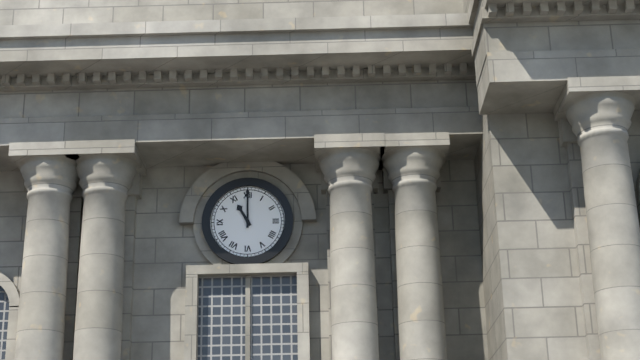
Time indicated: 11h00
